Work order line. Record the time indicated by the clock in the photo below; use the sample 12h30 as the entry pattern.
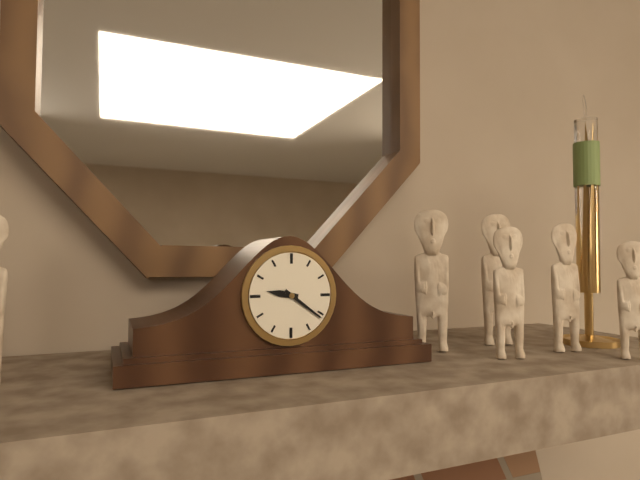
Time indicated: 9h21
